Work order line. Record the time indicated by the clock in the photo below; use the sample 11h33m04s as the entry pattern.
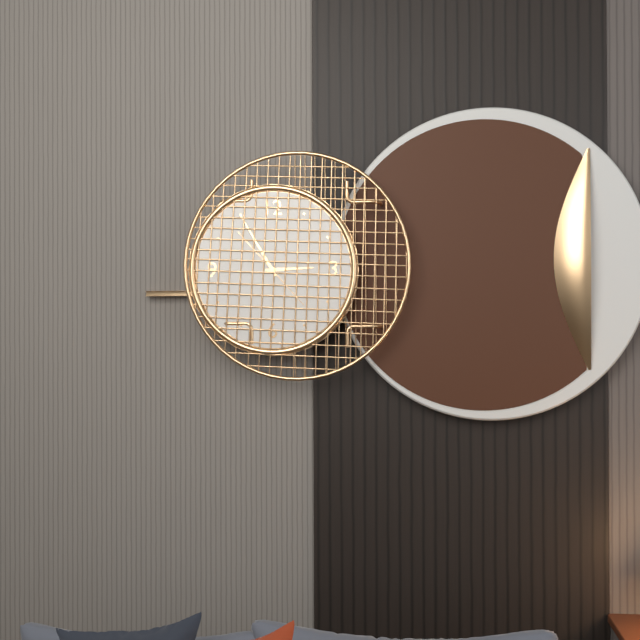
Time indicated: 2h55m53s
